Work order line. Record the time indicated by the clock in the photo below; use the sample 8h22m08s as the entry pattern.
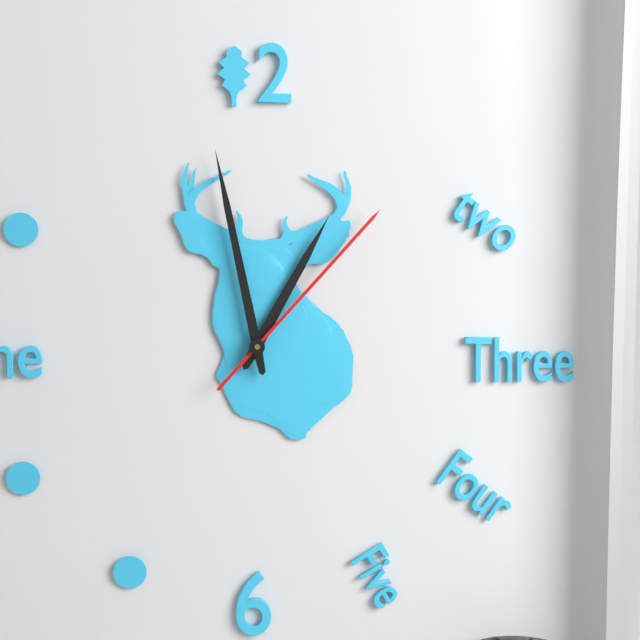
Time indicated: 12h58m07s
